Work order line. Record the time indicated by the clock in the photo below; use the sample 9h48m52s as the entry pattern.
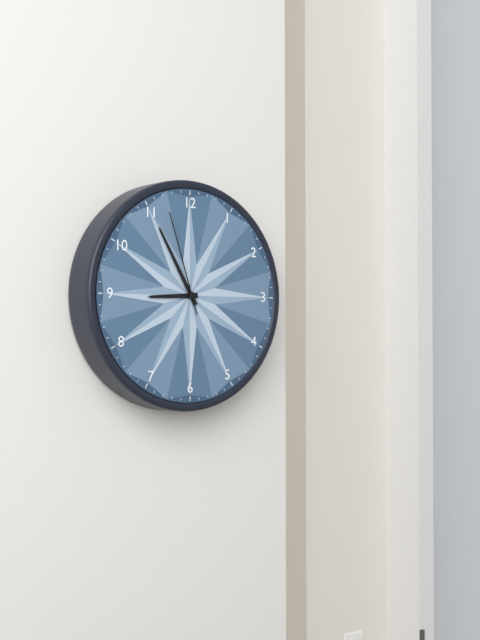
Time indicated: 8h55m57s
